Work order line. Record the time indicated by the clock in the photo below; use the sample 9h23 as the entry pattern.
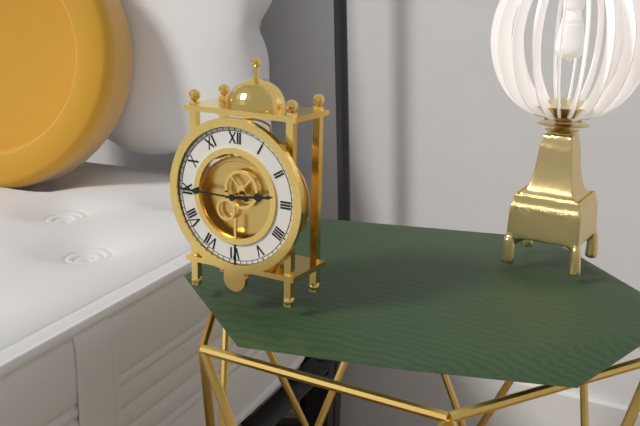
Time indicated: 2h45
